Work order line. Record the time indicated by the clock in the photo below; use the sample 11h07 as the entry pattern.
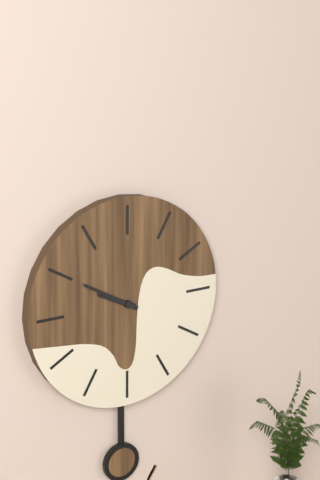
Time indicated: 9h50
